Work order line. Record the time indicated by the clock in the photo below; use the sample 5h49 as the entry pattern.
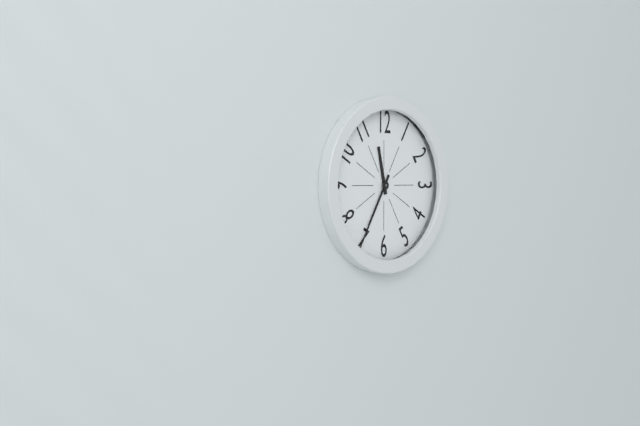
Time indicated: 11h35
